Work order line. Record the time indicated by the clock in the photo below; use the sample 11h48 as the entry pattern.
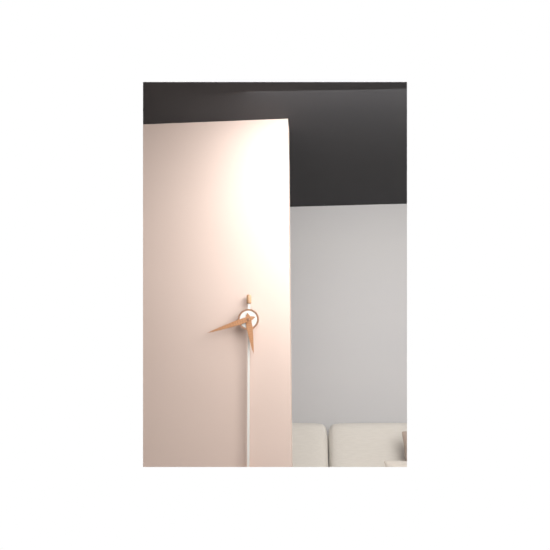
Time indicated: 5h42
